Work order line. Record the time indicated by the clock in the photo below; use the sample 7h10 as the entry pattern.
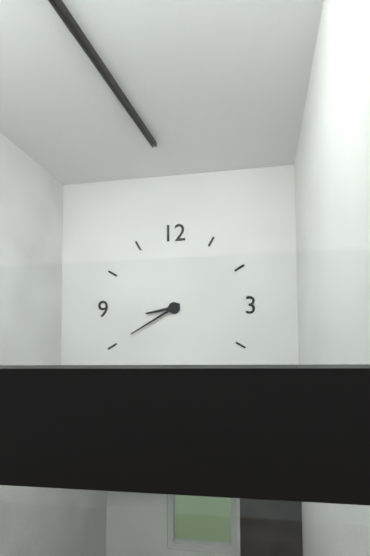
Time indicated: 8h40
